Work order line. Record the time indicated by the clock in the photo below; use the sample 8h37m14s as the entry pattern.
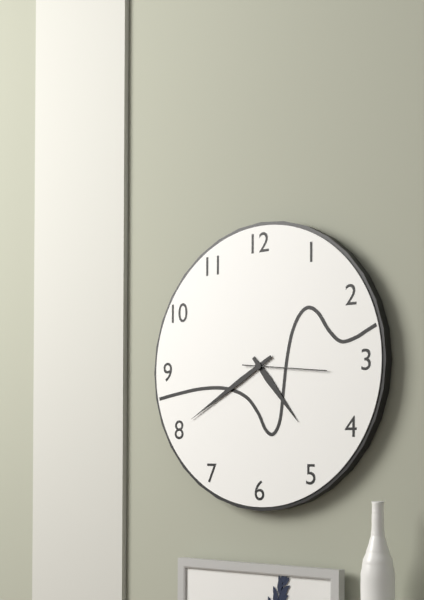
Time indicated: 4h40m16s
